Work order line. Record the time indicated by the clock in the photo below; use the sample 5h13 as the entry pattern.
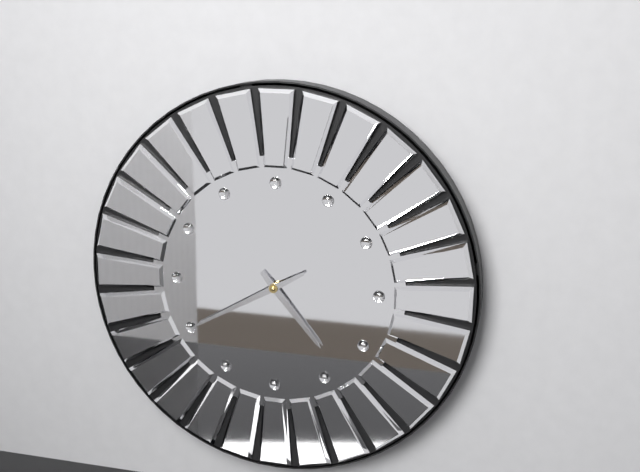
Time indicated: 4h40
